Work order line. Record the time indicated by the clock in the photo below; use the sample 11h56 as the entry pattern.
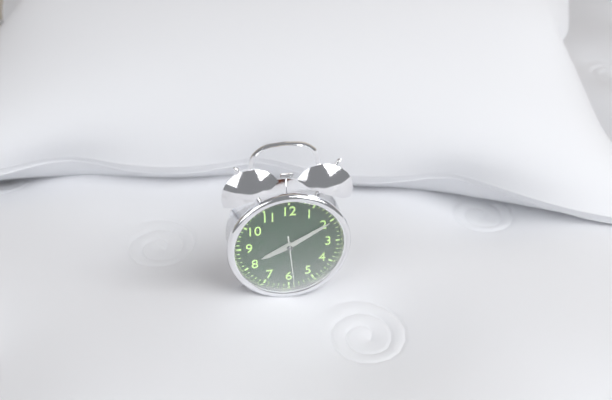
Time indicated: 8h10
